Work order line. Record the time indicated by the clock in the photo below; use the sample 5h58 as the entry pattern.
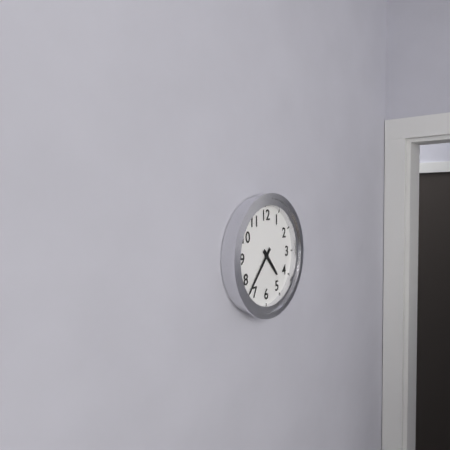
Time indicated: 4h37
